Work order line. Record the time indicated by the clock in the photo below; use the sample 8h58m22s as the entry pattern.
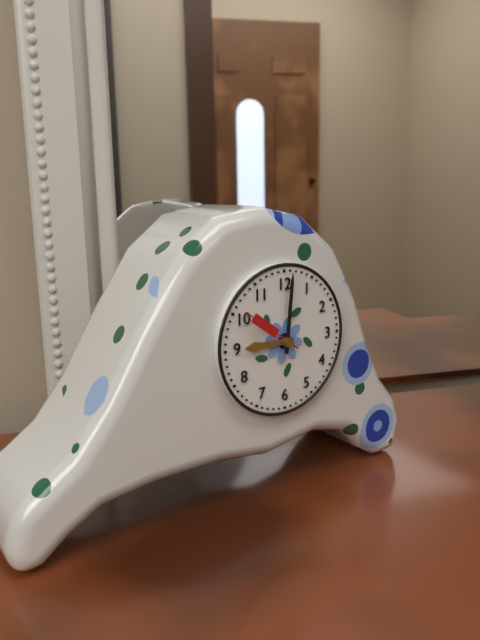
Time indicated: 9h01m51s
